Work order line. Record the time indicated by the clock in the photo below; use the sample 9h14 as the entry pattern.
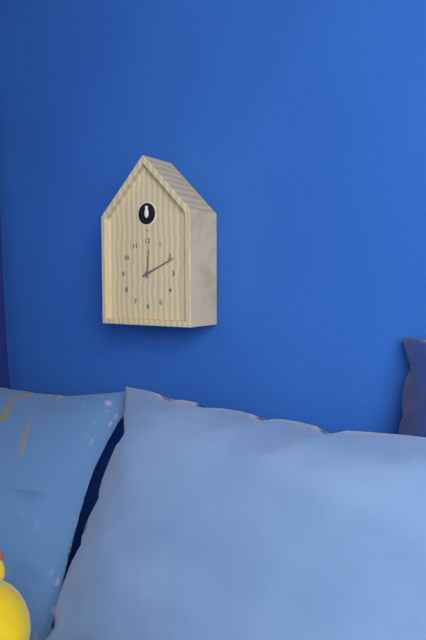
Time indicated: 12h11
